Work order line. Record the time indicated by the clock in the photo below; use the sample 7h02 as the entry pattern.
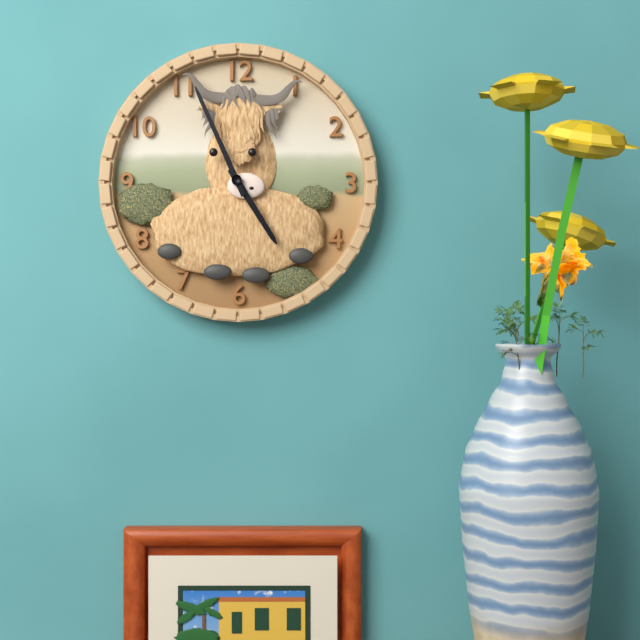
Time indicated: 4h56
